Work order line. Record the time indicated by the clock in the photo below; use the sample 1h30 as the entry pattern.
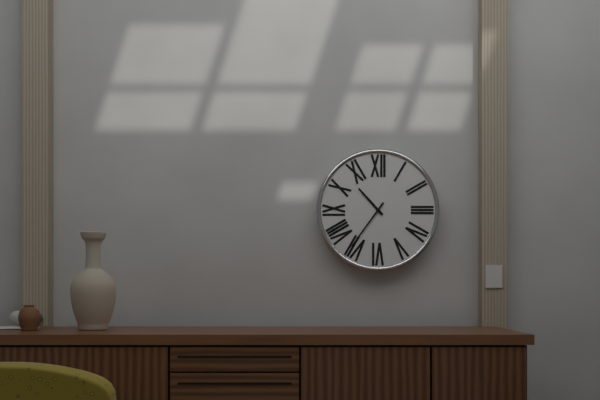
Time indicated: 10h36
